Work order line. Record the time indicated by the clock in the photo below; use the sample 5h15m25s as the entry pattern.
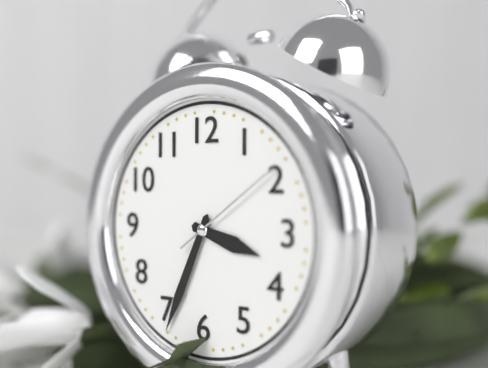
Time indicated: 3h34m09s
